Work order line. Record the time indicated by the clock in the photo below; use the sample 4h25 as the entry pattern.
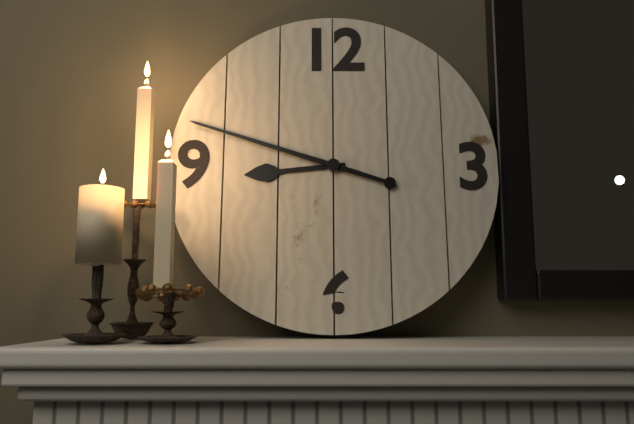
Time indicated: 8h48
